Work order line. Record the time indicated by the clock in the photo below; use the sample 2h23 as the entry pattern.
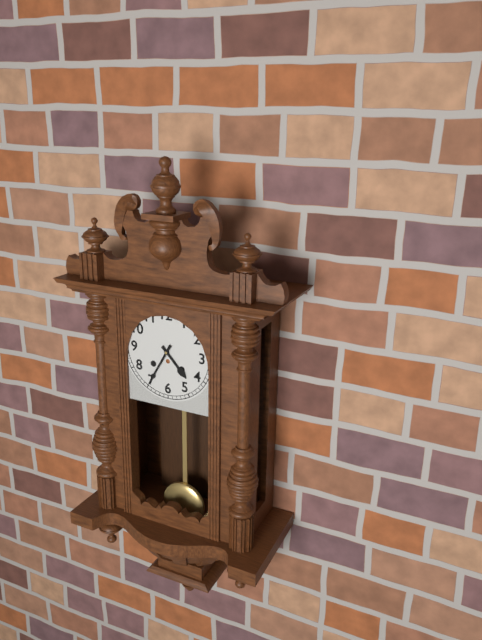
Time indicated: 4h35
